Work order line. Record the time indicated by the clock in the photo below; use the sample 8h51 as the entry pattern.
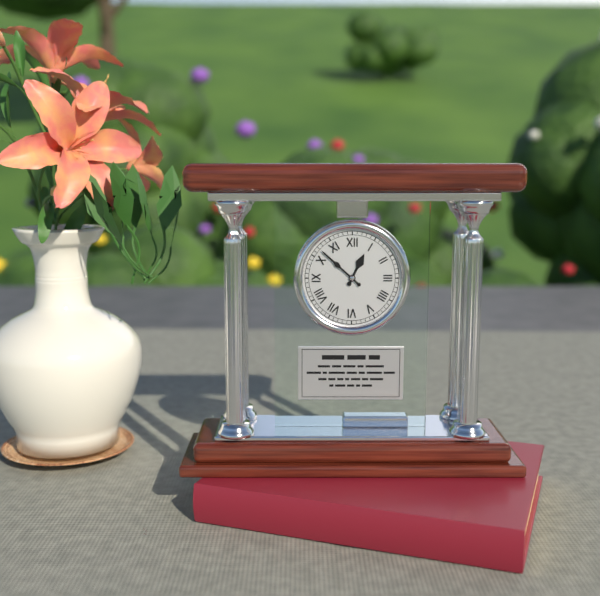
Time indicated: 12h52
